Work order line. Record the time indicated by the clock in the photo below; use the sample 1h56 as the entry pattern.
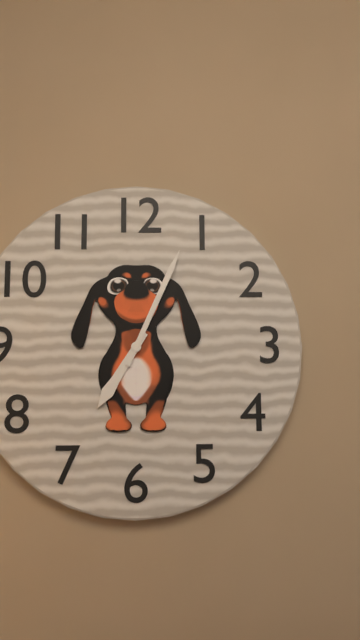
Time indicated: 7h04
